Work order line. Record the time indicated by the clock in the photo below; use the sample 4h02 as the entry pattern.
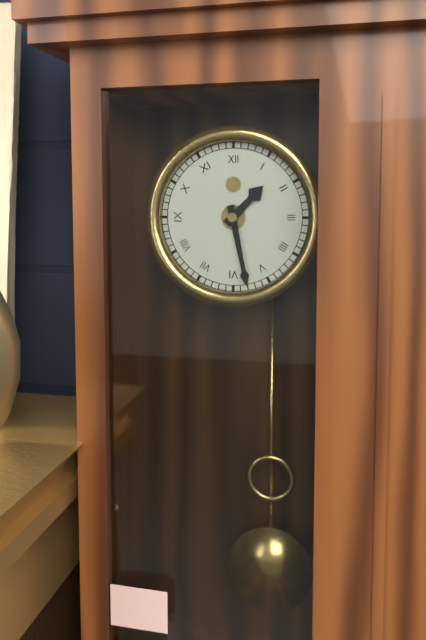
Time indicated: 1h28
